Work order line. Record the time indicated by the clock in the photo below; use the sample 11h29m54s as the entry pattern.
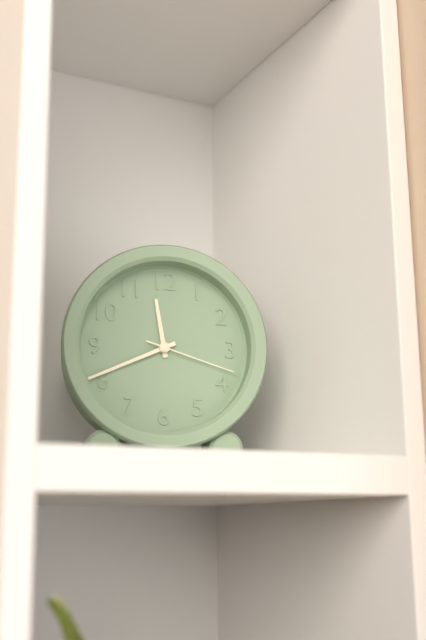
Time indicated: 11h41m18s
